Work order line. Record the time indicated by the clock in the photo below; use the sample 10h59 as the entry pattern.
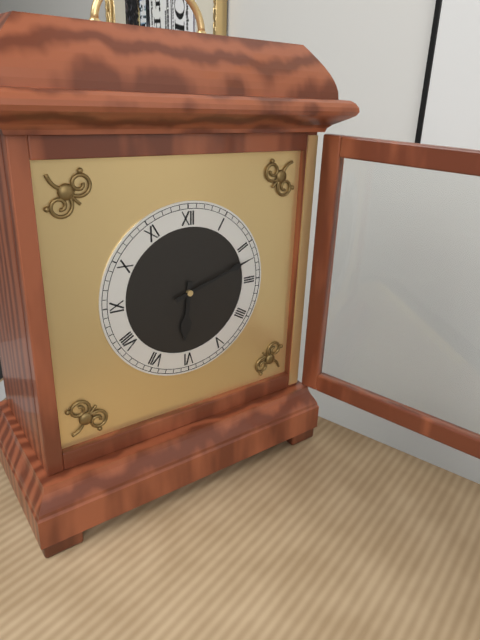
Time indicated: 6h12
